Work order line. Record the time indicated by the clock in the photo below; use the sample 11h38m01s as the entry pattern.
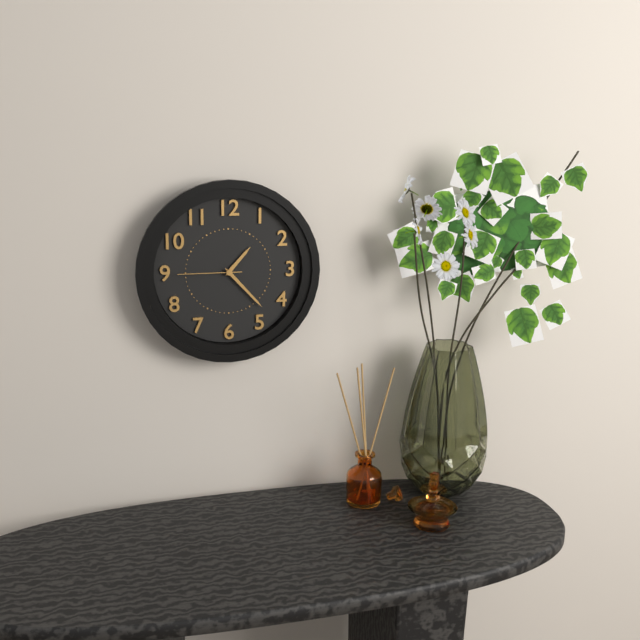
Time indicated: 1h23m45s
